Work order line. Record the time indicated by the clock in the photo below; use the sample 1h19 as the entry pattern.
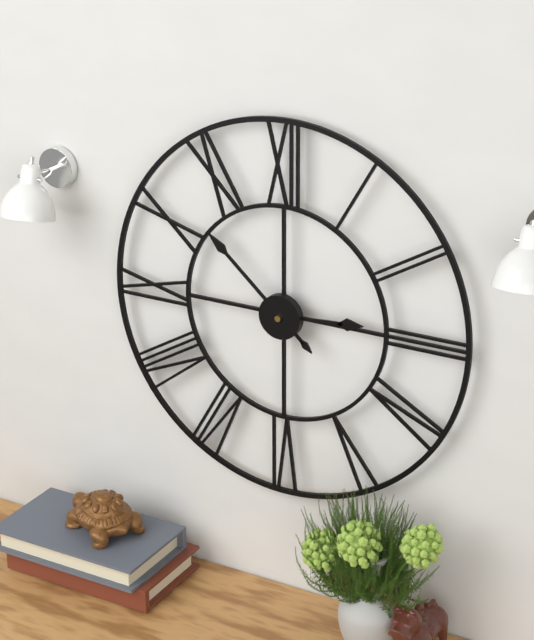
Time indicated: 2h52
